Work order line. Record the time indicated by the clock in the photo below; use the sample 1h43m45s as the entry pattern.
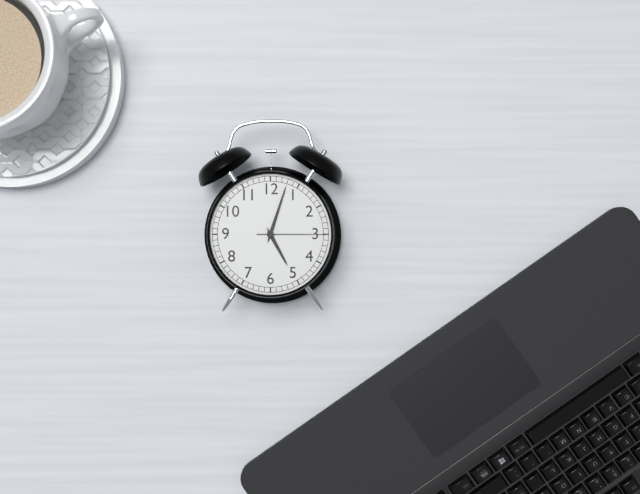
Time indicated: 5h03m15s
